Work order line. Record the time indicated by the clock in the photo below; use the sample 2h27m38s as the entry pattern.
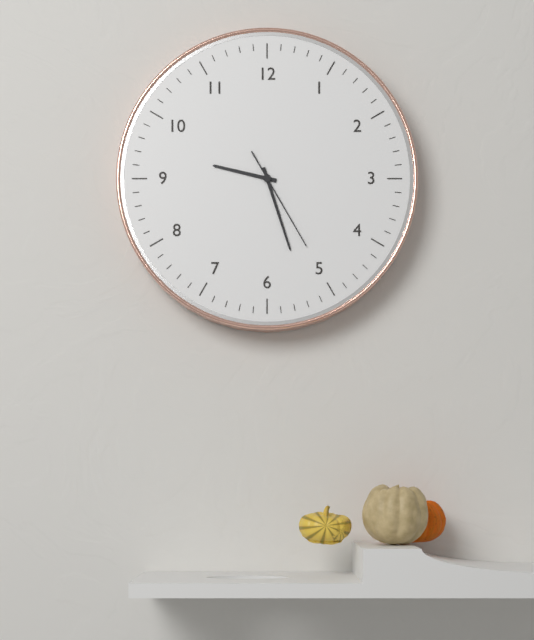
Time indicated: 9h27m25s
